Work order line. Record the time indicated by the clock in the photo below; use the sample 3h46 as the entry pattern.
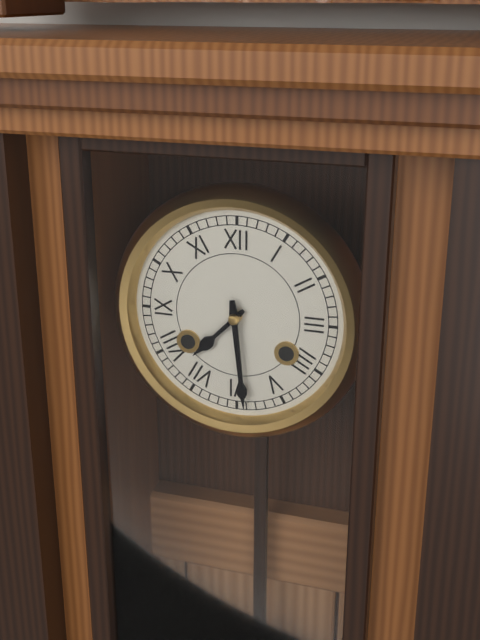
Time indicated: 7h29
